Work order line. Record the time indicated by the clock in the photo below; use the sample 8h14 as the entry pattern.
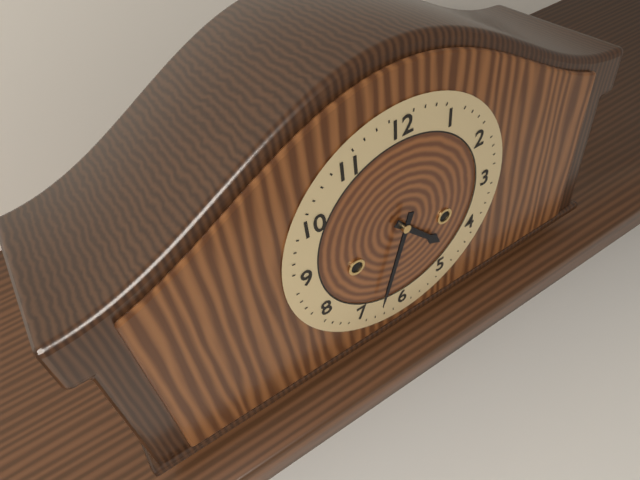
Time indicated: 4h33
